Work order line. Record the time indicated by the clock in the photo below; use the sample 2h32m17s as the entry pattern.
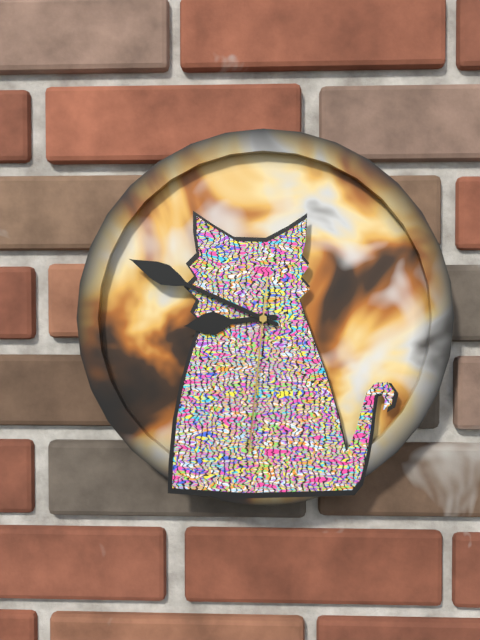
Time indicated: 8h49m31s
